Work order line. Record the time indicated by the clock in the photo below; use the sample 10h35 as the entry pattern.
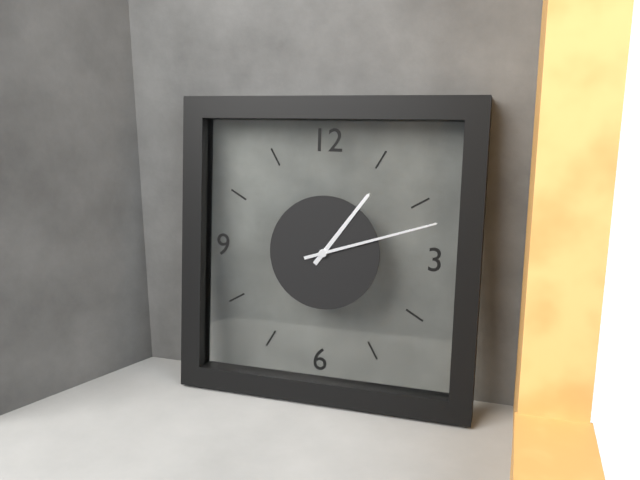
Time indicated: 1h12
